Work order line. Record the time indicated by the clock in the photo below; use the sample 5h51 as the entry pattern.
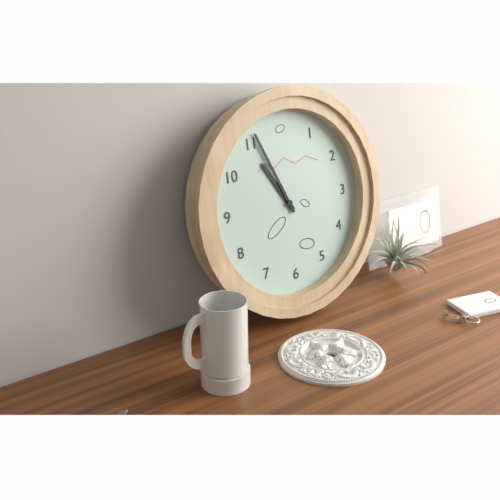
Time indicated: 10h56
